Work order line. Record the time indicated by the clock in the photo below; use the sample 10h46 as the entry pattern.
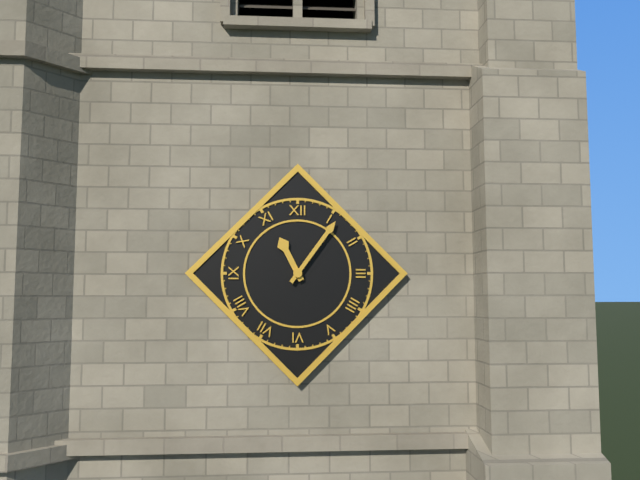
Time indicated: 11h06
